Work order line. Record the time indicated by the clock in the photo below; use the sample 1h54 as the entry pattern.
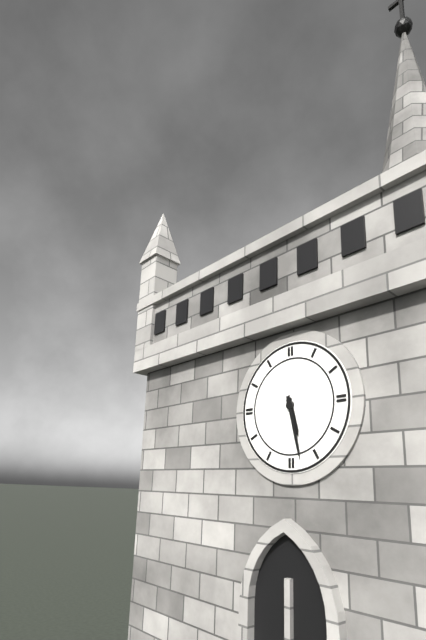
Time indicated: 5h28
